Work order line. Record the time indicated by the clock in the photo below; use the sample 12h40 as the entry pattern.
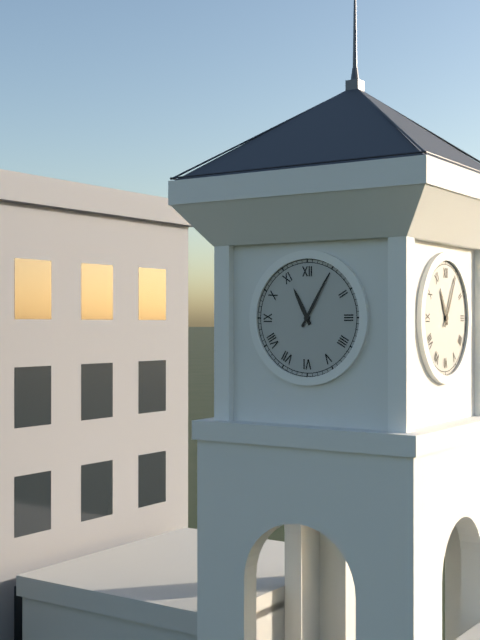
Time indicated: 11h05
